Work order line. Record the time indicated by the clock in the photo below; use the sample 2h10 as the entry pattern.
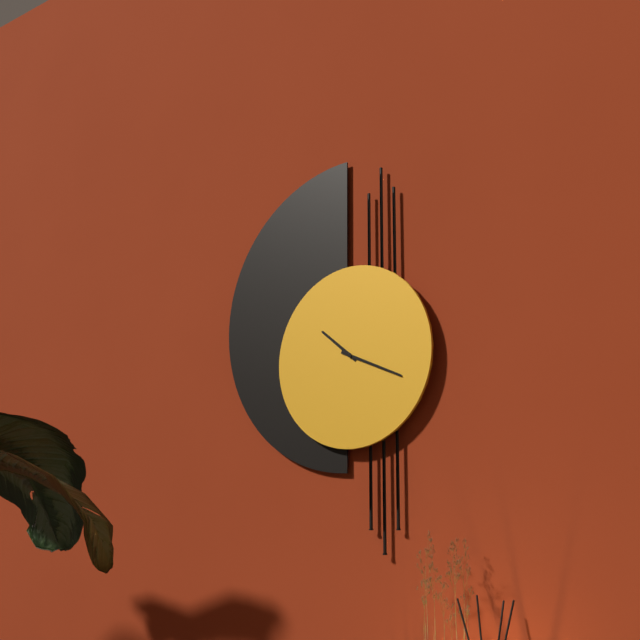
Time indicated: 10h19
